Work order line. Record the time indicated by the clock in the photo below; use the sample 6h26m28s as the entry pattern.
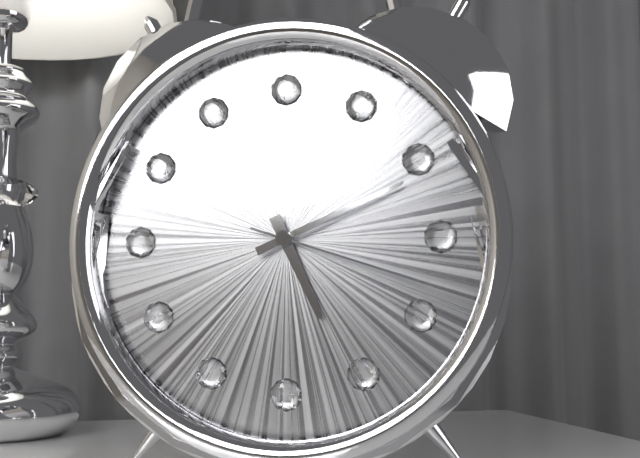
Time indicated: 5h11m18s
